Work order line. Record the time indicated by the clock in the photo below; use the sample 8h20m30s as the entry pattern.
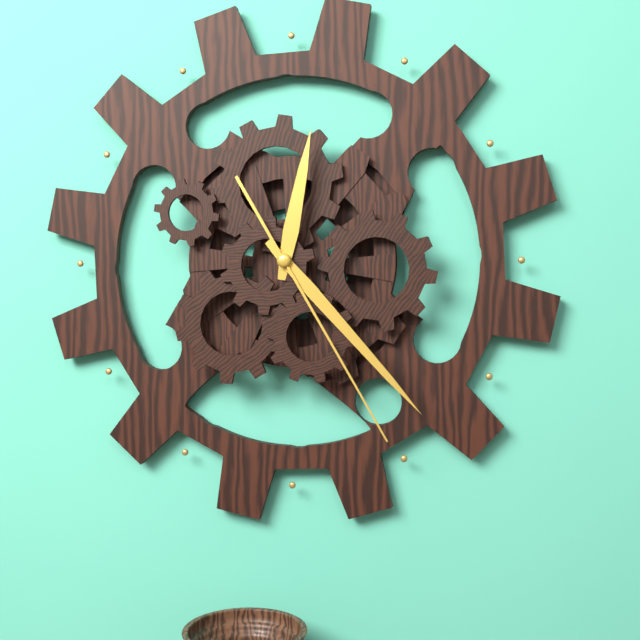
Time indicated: 12h23m25s
